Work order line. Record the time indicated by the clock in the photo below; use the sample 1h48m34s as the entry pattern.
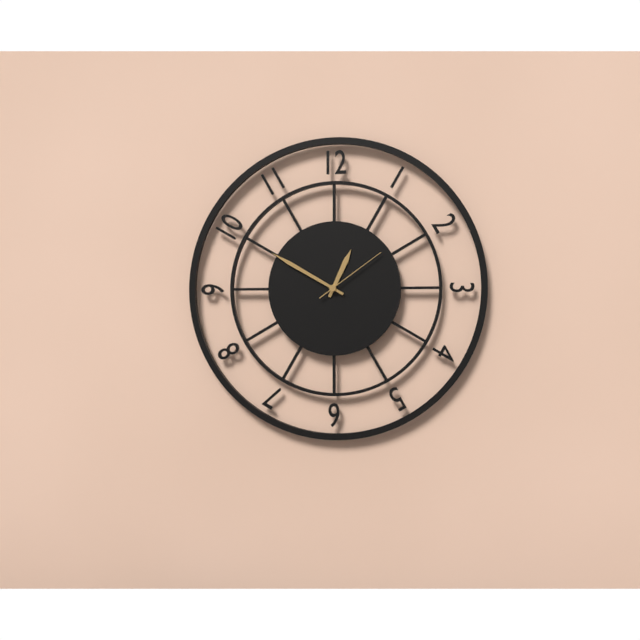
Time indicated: 12h50m09s
